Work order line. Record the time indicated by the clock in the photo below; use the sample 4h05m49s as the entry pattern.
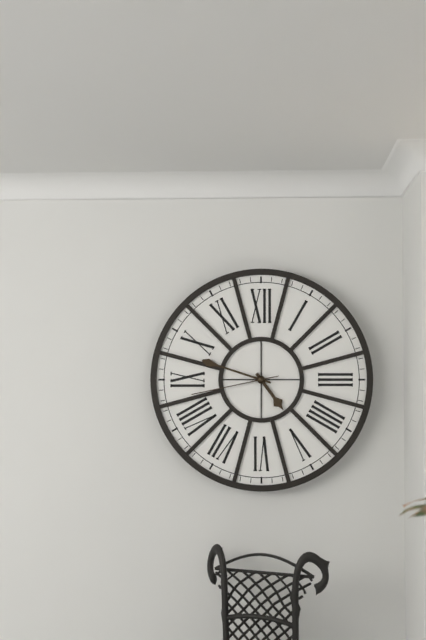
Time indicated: 4h48m43s
